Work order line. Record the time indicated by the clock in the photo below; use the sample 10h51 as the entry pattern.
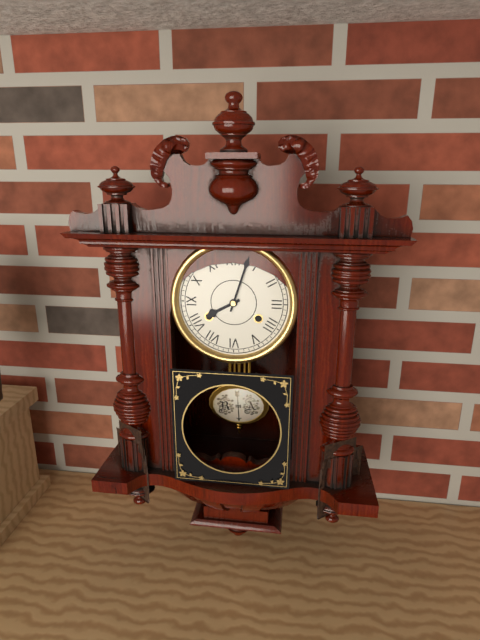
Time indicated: 8h03
